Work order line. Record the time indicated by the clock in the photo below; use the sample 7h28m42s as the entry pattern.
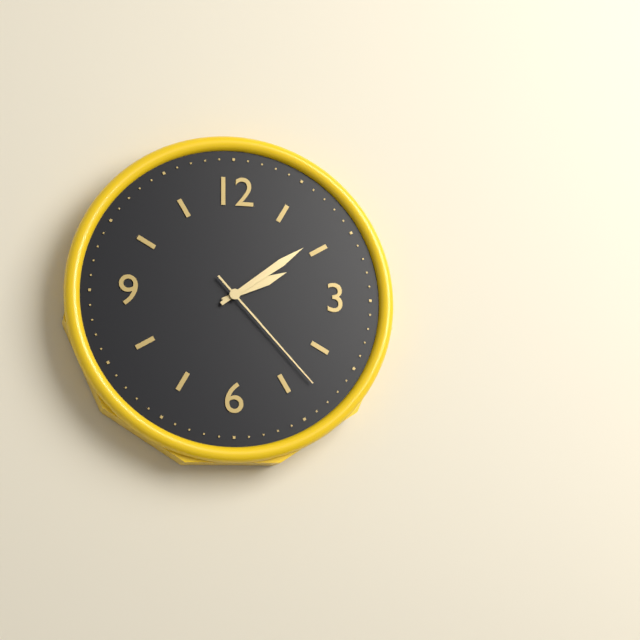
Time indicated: 2h09m23s
